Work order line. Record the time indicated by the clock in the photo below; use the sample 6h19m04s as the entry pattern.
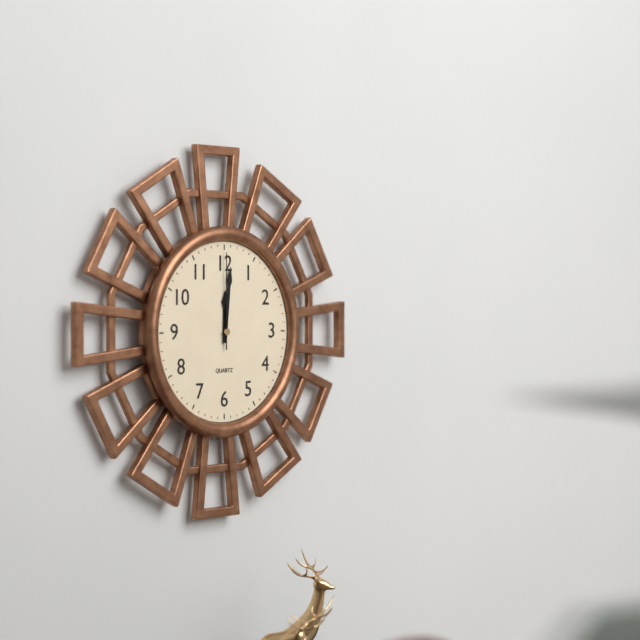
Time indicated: 12h01m00s
